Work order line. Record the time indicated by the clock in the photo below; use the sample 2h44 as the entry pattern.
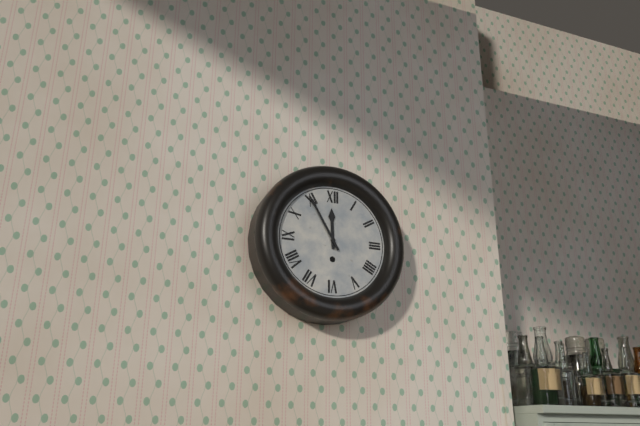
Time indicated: 11h55
